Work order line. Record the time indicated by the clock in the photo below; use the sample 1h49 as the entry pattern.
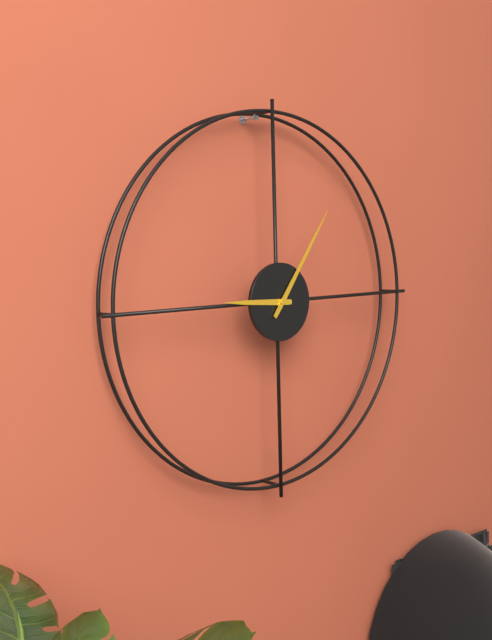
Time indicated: 9h06
